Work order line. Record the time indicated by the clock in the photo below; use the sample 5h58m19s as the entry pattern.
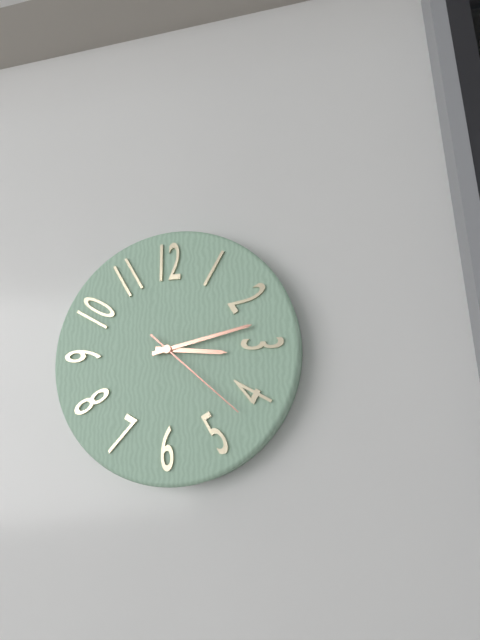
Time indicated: 3h13m22s
